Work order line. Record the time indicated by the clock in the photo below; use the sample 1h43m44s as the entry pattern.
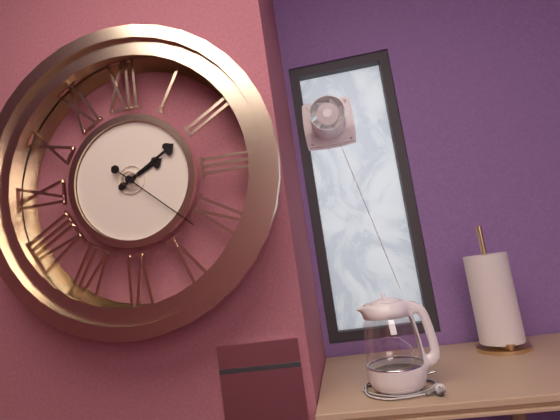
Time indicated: 2h10m22s
